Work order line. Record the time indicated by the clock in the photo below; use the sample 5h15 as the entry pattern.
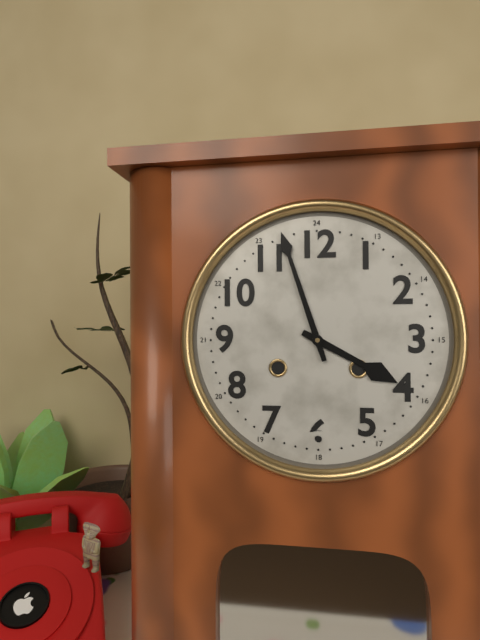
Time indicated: 3h57
